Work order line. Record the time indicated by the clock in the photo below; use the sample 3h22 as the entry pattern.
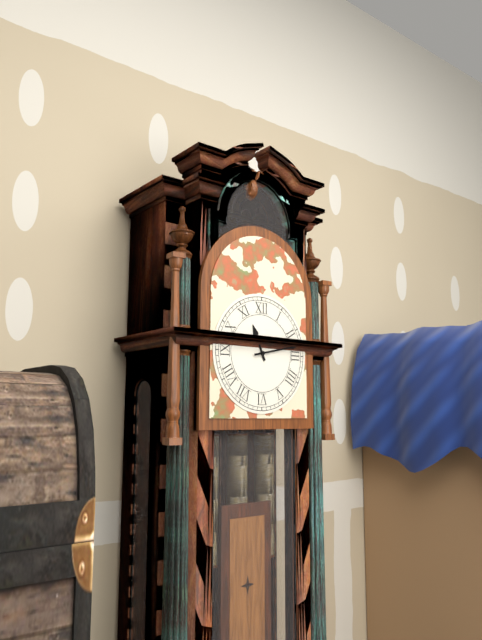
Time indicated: 11h13
